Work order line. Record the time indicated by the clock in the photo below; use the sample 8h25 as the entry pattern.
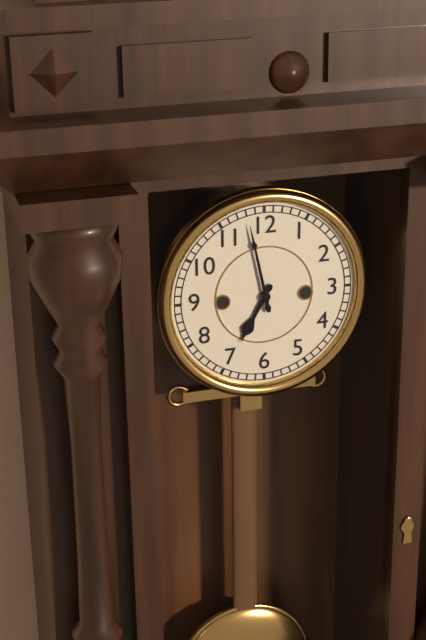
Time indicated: 6h58
